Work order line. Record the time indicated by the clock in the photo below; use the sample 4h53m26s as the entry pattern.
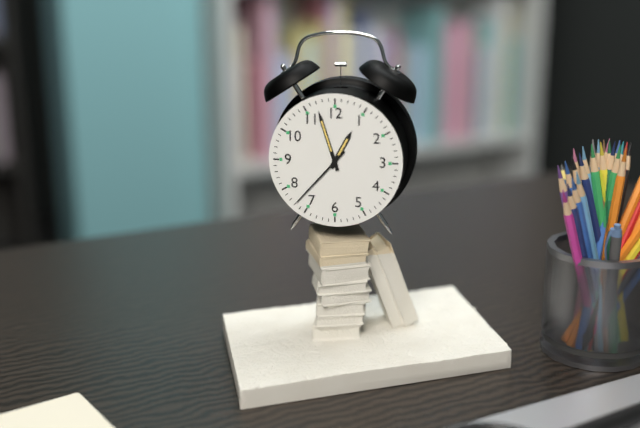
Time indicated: 12h57m37s
